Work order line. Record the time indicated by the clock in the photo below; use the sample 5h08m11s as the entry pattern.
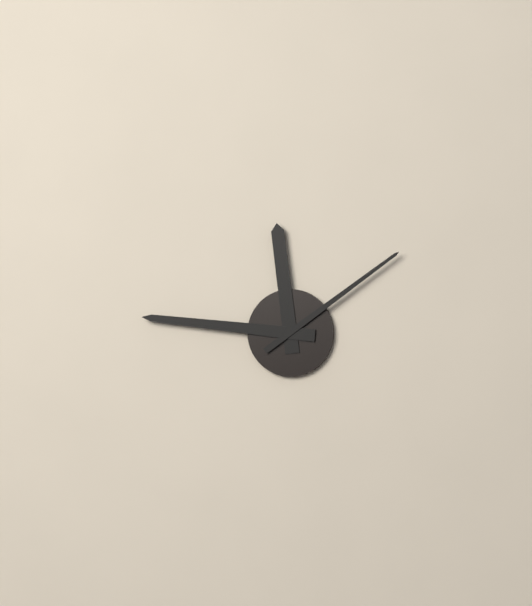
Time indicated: 11h46m09s
